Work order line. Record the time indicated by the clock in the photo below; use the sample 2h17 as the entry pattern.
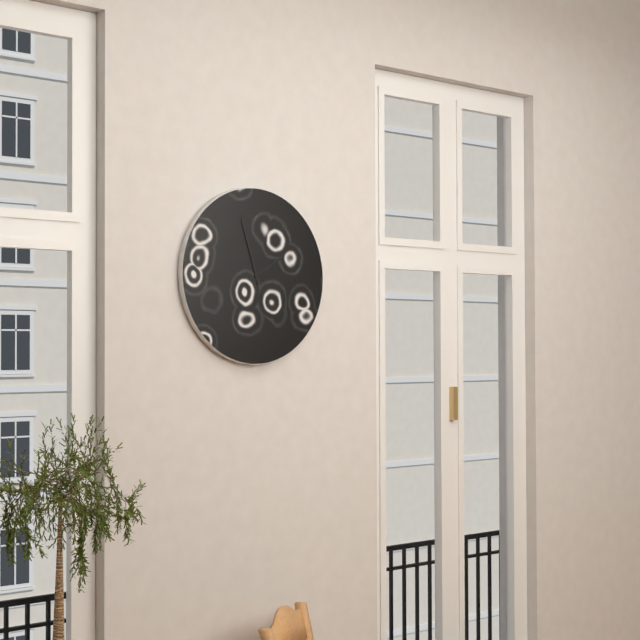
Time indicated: 1h57
